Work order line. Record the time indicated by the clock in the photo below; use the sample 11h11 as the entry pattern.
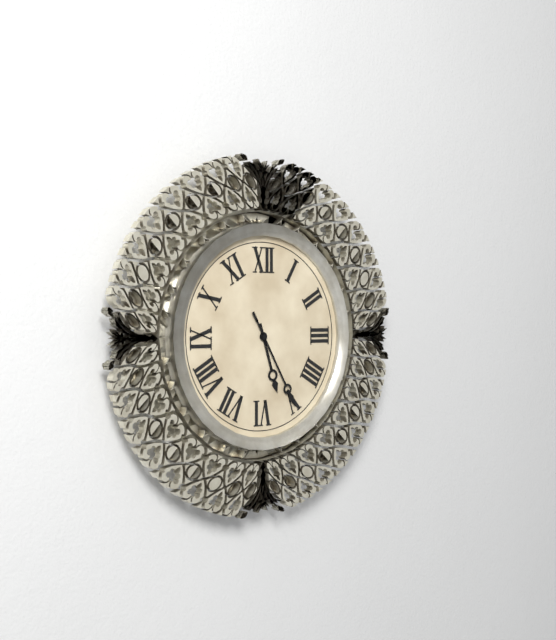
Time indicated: 5h25
